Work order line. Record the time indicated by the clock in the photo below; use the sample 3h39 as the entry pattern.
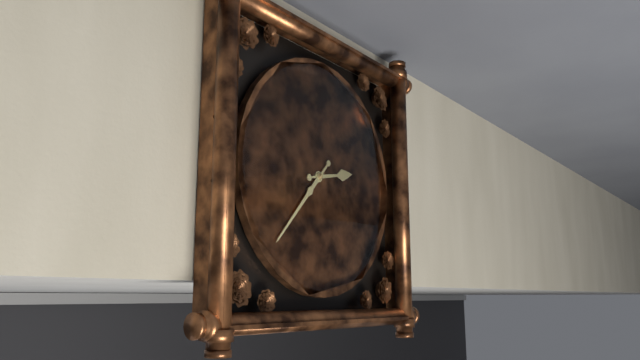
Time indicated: 2h37
